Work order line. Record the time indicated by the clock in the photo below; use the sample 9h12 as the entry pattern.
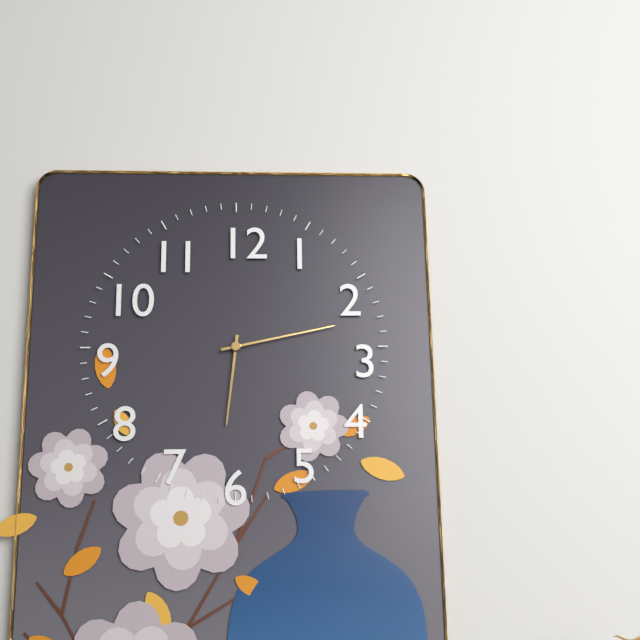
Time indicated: 6h13
